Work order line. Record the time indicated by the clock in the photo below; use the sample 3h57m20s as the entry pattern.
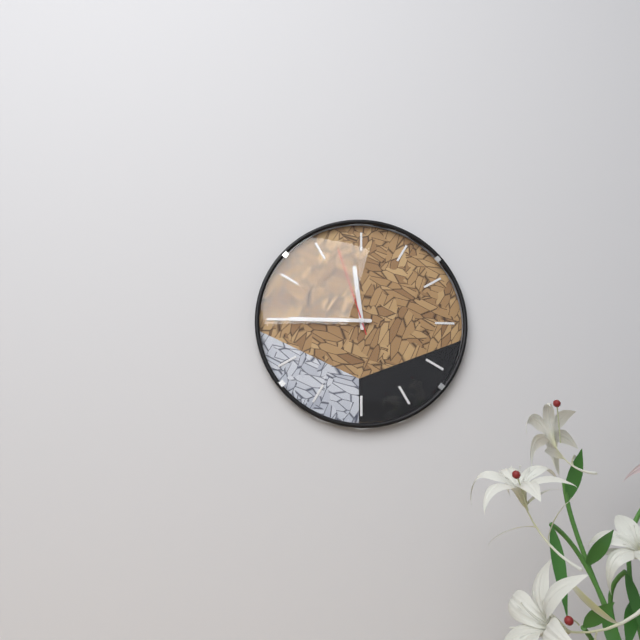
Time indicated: 11h45m57s
